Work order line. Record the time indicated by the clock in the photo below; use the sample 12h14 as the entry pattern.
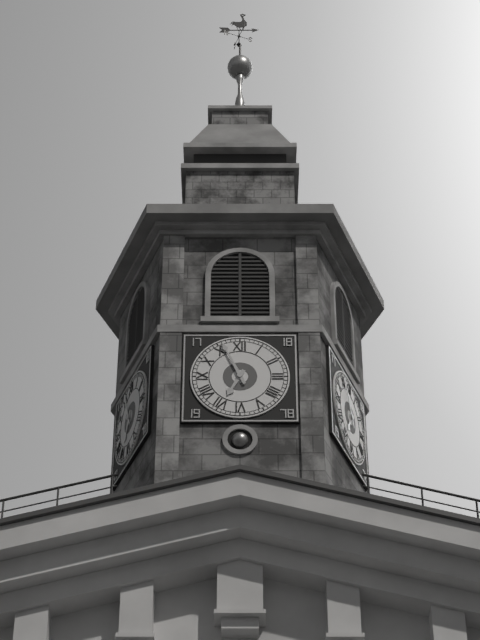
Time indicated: 6h56
